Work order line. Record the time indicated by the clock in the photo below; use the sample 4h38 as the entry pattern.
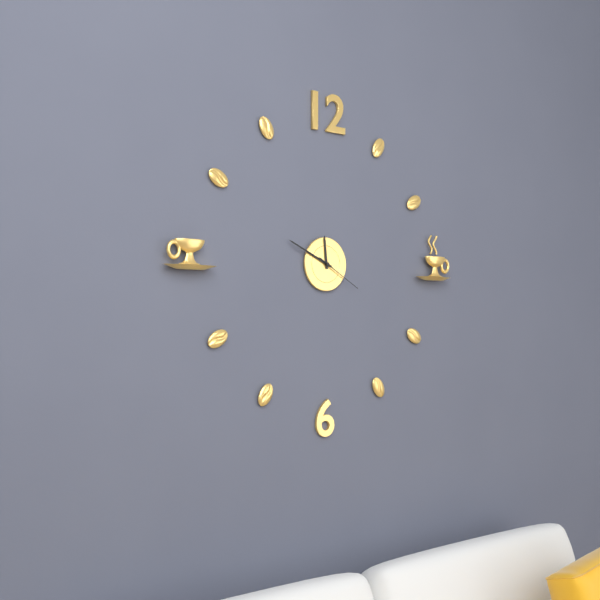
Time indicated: 11h49
